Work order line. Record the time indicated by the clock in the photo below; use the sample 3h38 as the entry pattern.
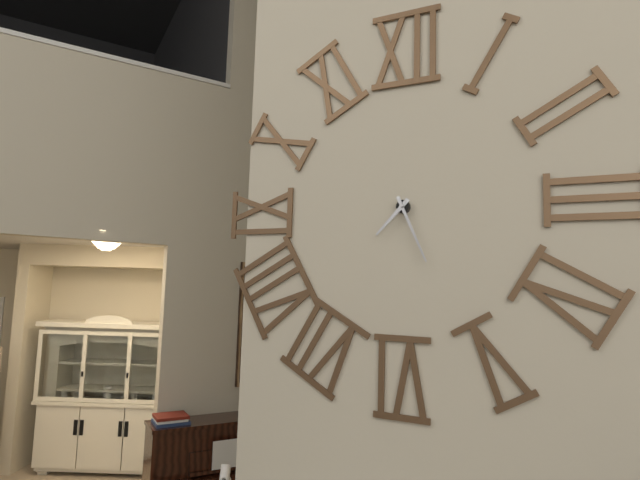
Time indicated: 7h26
